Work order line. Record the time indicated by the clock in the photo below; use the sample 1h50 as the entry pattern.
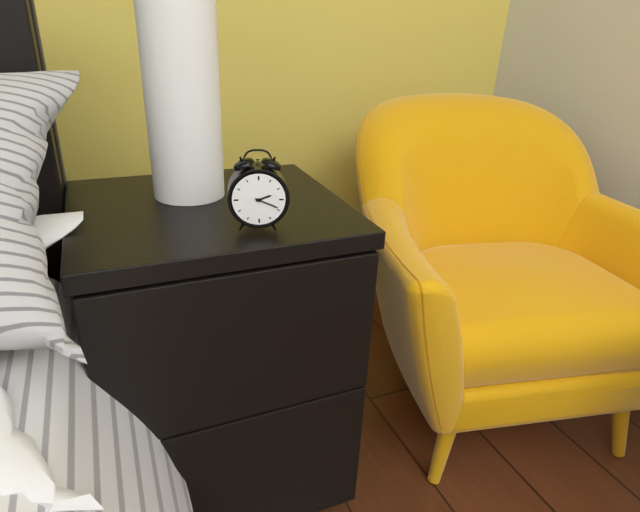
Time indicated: 2h19
